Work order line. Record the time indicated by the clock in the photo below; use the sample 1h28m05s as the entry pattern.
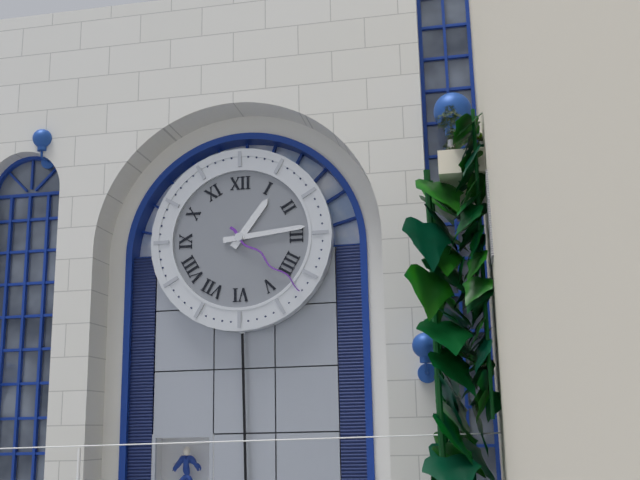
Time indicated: 1h14m22s
